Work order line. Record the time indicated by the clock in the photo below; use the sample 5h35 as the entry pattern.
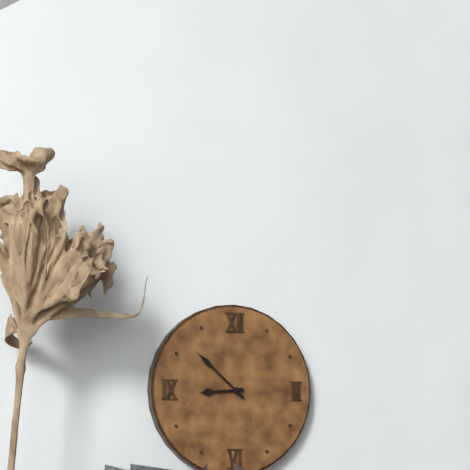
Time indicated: 8h52
